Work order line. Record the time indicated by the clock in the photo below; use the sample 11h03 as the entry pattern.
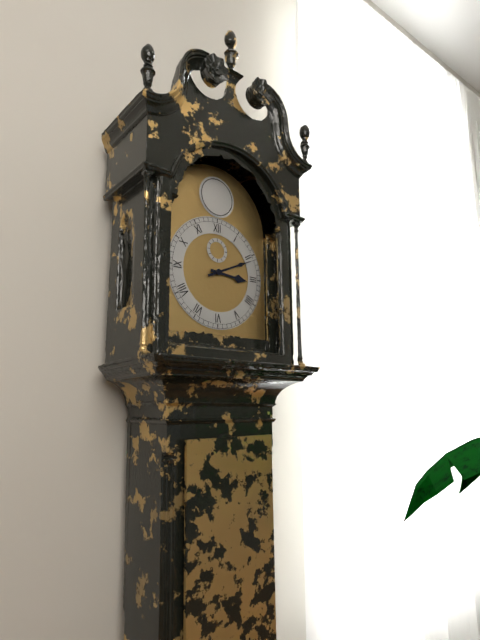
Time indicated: 3h11
